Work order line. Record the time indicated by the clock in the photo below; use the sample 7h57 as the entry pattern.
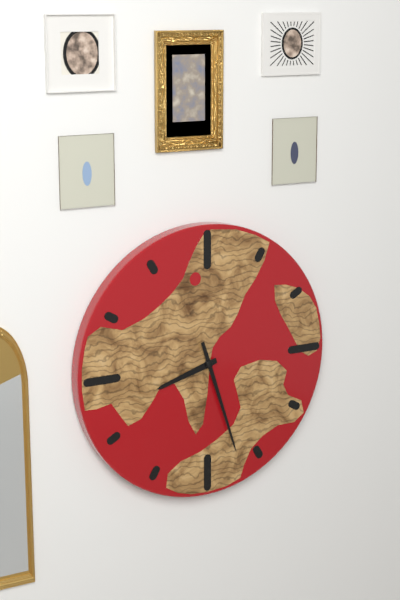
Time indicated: 8h27
